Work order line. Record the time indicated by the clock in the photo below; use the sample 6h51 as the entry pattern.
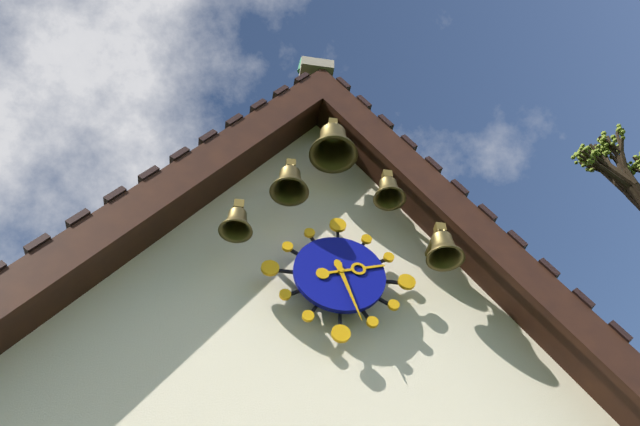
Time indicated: 2h27
